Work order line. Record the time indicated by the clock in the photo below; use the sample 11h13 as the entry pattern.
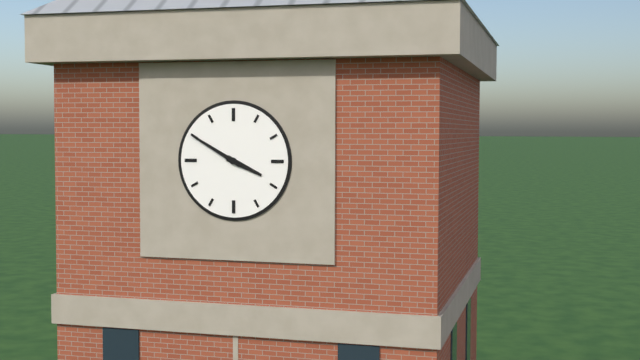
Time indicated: 3h50
